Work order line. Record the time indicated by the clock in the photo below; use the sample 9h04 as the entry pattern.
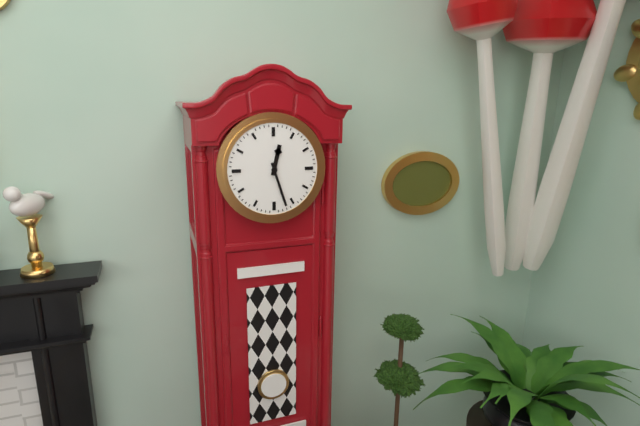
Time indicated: 12h27
